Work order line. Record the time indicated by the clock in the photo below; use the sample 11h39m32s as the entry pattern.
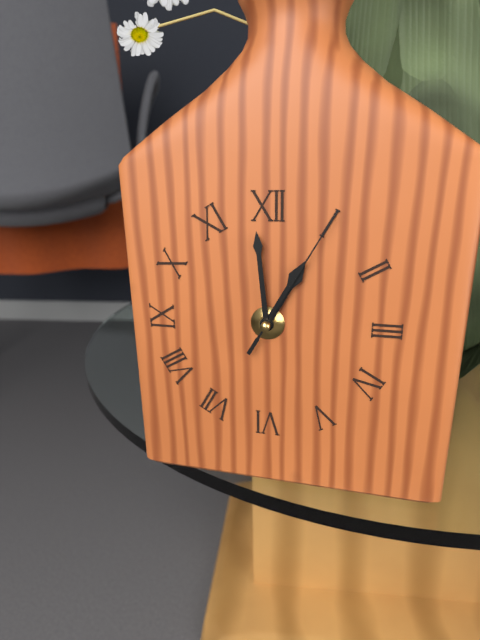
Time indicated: 12h59m05s
